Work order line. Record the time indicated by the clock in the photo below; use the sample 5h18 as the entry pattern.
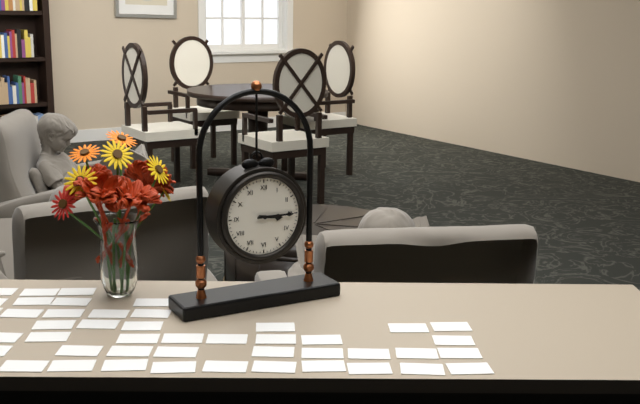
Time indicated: 3h15
